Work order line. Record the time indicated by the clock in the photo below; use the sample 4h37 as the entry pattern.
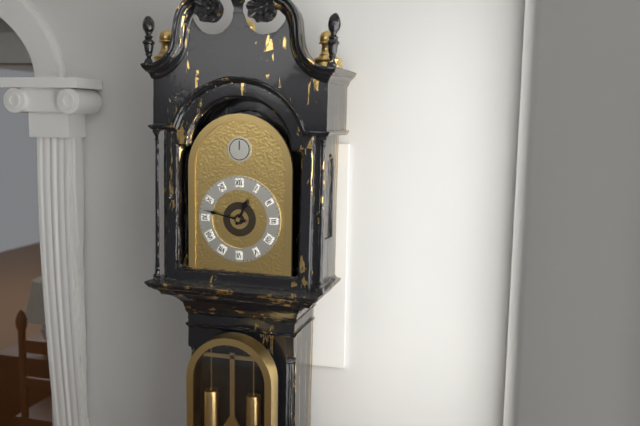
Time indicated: 12h47
